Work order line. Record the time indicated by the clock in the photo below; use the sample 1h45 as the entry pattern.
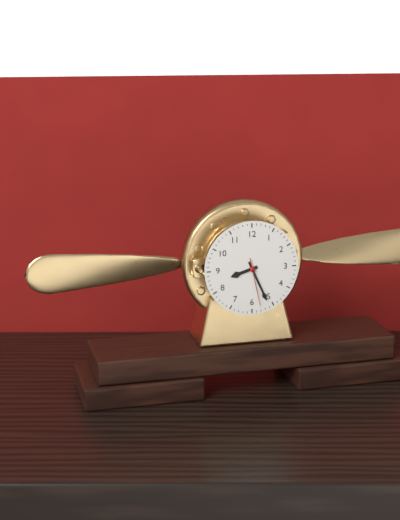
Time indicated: 8h26
